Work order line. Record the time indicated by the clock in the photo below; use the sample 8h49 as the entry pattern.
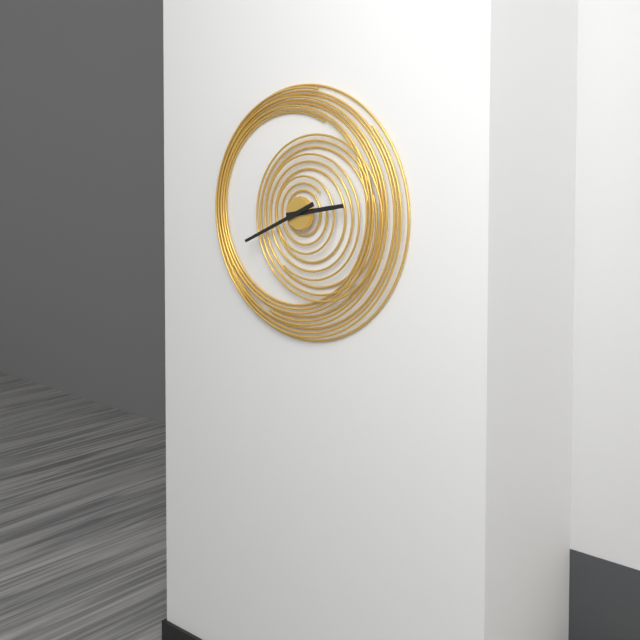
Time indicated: 2h41
